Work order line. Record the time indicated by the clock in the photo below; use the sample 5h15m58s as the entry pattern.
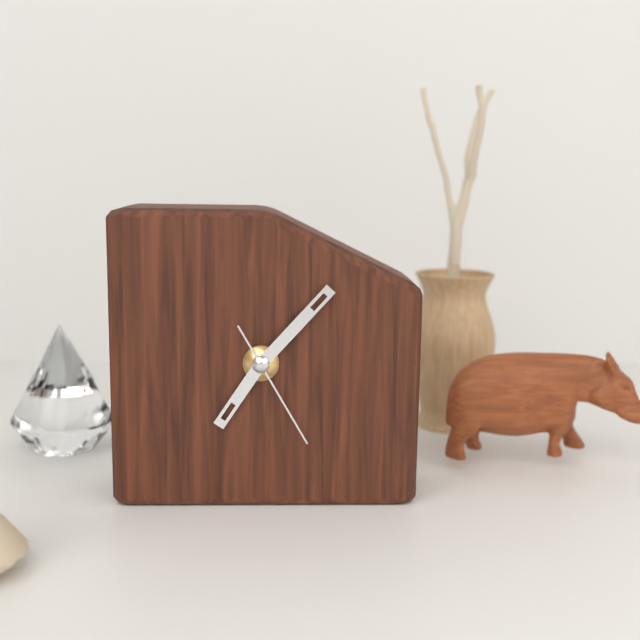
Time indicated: 7h07m25s
